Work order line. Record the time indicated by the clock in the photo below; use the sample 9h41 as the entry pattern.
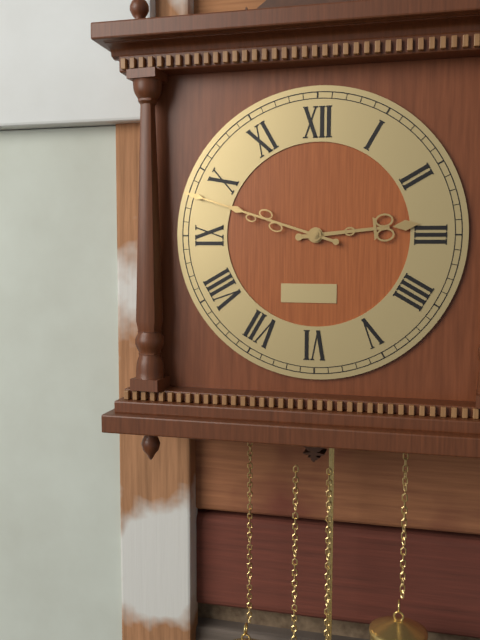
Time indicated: 2h48
